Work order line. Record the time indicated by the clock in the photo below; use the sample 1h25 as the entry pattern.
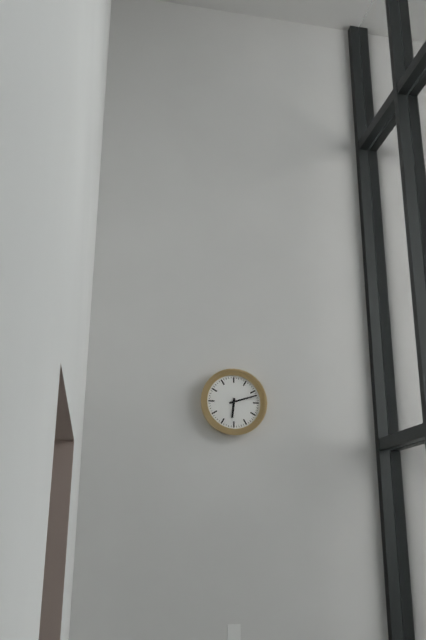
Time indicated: 6h12
